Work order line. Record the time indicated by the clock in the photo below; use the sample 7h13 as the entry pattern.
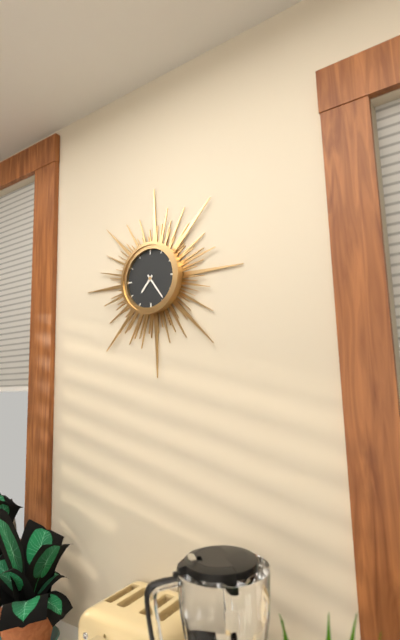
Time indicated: 7h24
